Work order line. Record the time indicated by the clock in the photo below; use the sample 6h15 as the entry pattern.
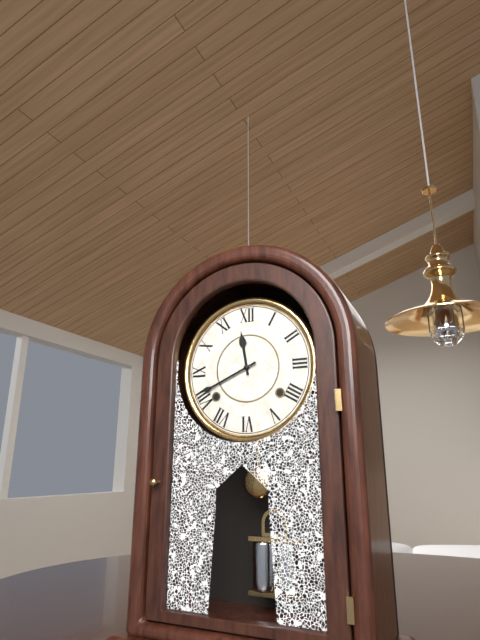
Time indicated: 11h41
